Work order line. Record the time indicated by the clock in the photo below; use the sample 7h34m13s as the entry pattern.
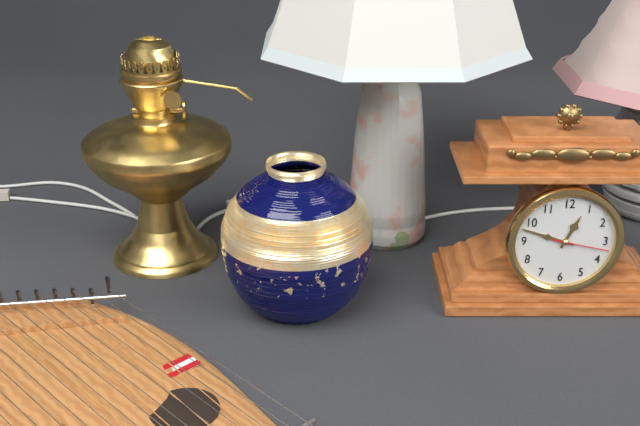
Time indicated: 12h48m17s
